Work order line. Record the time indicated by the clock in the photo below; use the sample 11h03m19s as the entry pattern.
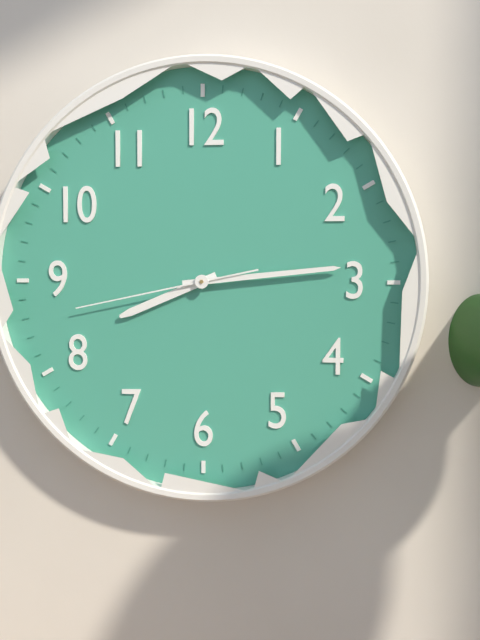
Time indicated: 8h14m43s
